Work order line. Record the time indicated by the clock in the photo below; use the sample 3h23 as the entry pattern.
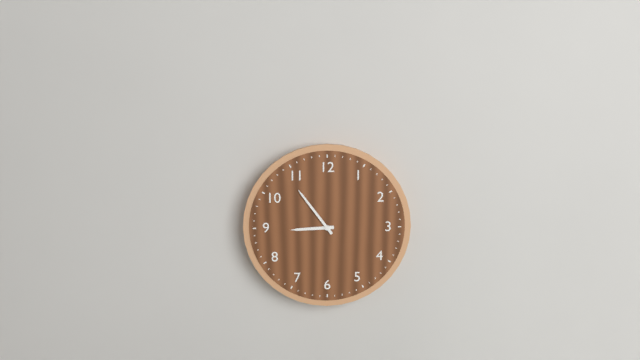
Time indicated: 8h54
